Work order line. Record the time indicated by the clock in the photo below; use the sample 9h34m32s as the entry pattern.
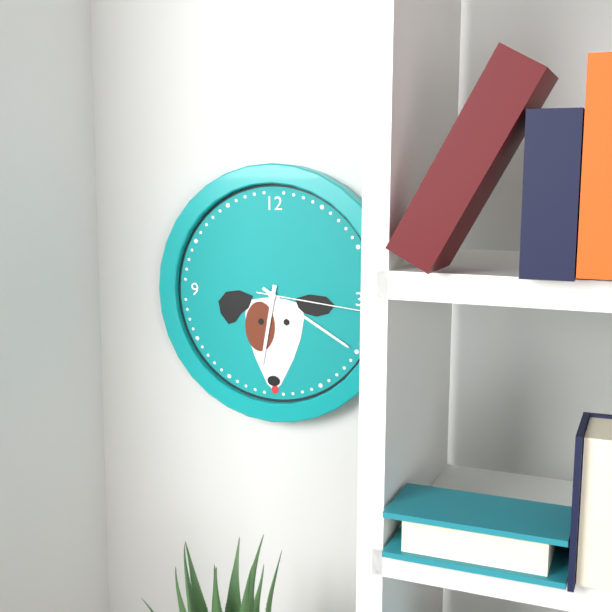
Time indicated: 6h20m16s
